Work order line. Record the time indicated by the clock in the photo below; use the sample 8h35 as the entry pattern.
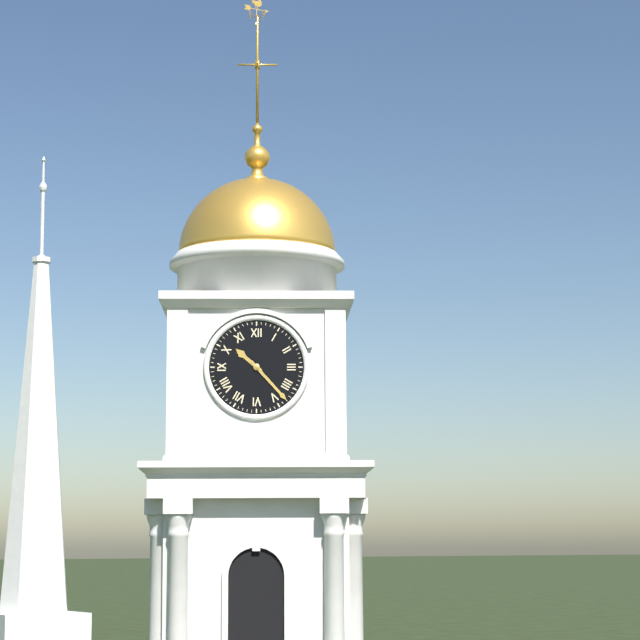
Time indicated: 10h23
